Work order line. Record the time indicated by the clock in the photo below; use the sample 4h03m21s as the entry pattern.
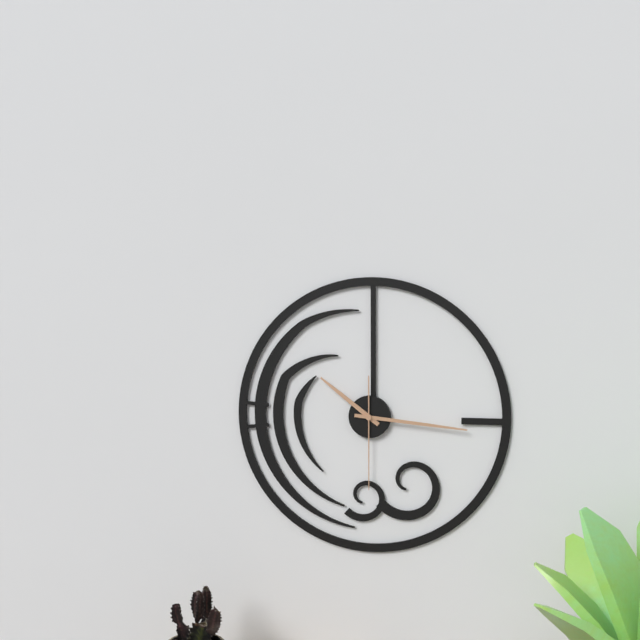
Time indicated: 10h16m30s
